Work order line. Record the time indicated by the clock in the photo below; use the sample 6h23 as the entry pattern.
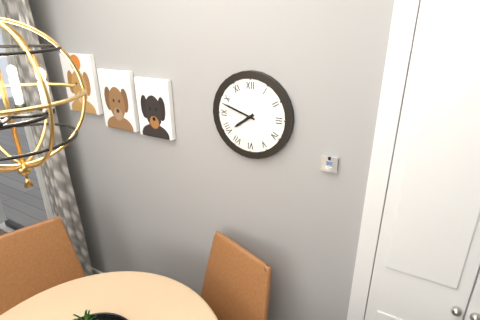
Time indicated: 7h48
